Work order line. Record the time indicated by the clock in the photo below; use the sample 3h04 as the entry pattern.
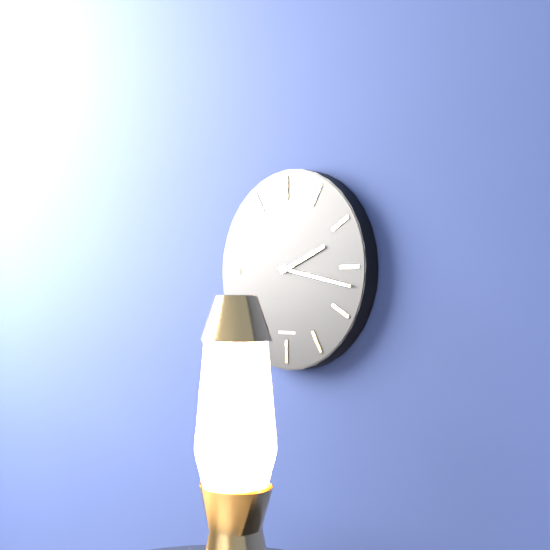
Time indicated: 2h17
